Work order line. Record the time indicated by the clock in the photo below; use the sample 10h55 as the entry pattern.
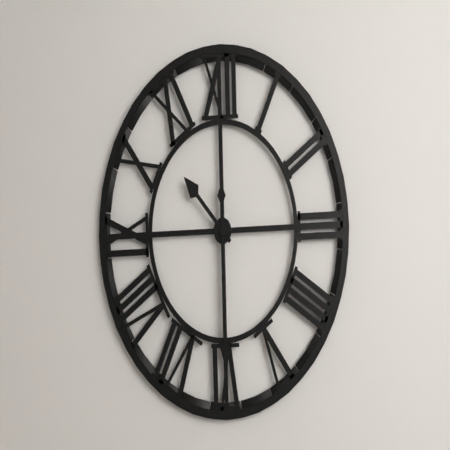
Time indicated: 10h30
